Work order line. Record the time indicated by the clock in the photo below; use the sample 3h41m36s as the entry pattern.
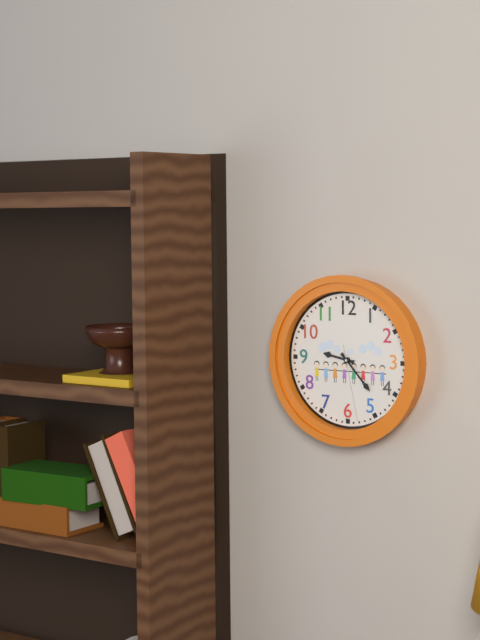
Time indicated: 9h23m28s
